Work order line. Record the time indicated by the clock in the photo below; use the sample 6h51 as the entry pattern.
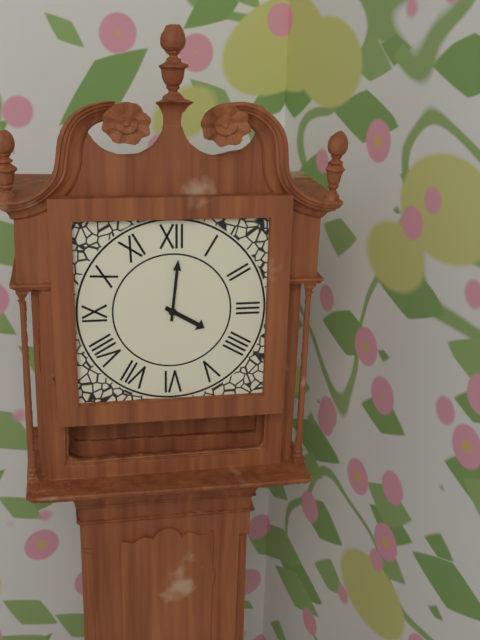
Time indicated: 4h01
